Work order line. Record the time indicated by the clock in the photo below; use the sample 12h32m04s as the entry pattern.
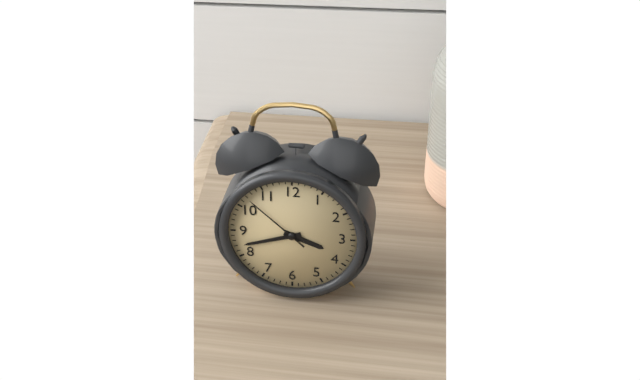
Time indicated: 3h42m52s
